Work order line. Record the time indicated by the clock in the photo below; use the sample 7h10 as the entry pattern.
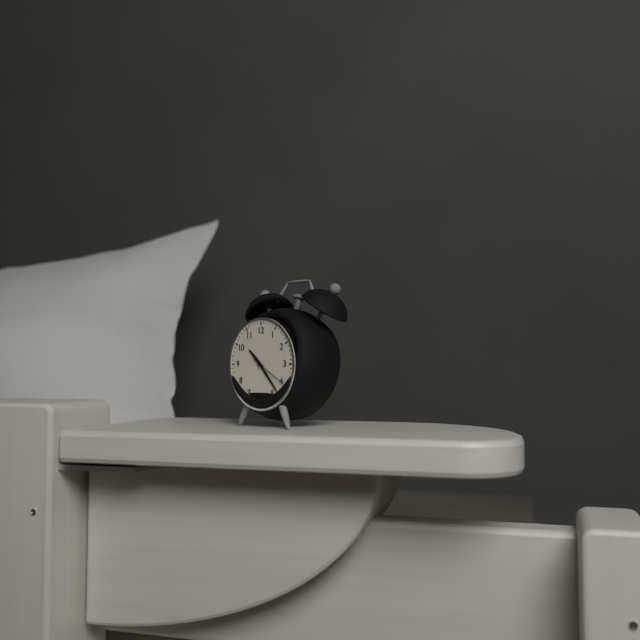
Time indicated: 10h23
